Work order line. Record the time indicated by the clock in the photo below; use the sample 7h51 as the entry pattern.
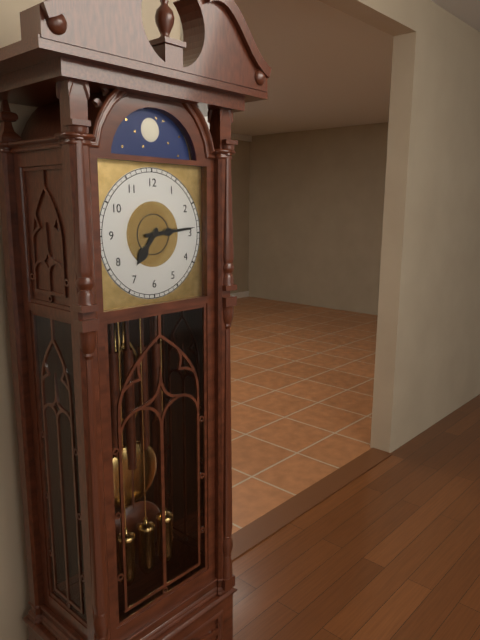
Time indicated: 7h14
